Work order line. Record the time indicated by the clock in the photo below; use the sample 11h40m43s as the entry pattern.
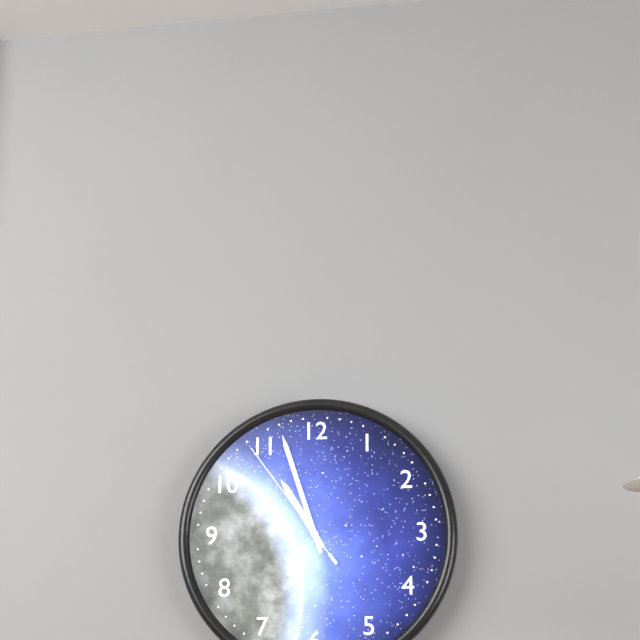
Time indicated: 10h57m54s
